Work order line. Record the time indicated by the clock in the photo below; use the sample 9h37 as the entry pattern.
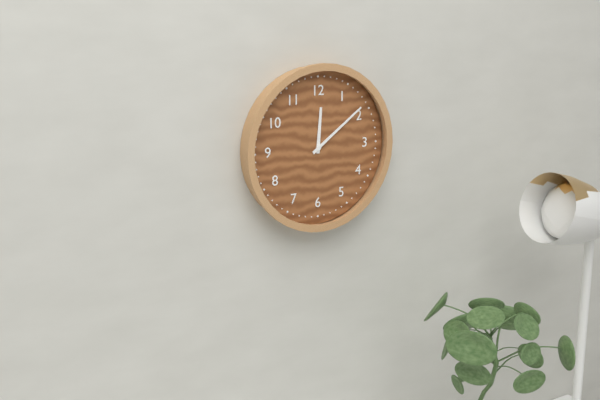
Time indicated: 12h09
